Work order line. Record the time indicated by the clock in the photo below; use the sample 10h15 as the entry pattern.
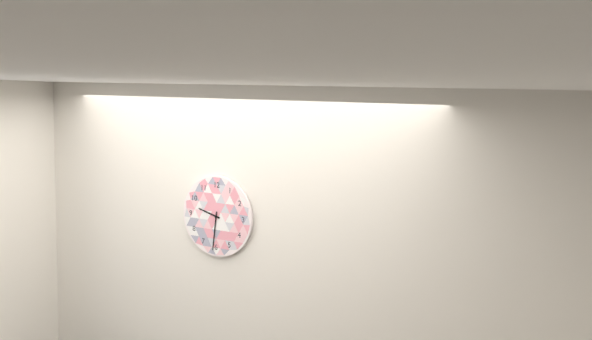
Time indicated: 9h31
